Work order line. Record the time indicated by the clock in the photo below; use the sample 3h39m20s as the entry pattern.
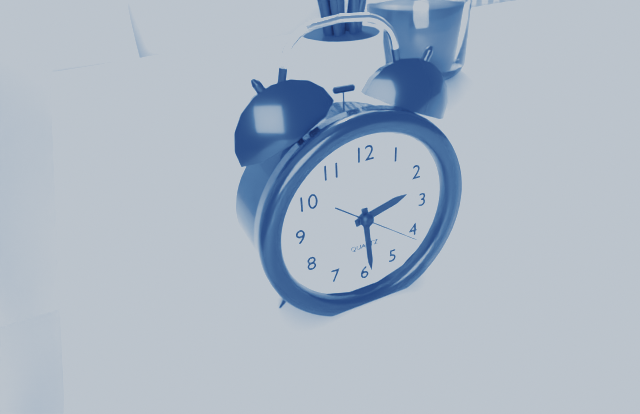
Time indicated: 2h29m21s
